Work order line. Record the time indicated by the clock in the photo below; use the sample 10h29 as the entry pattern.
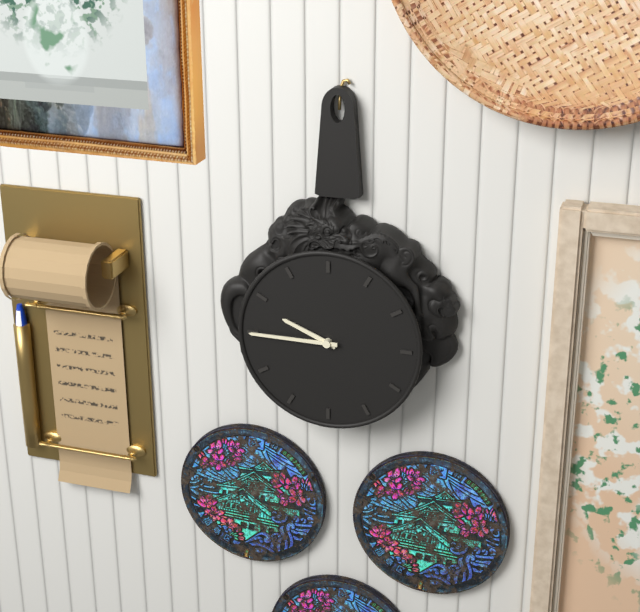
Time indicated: 9h45
